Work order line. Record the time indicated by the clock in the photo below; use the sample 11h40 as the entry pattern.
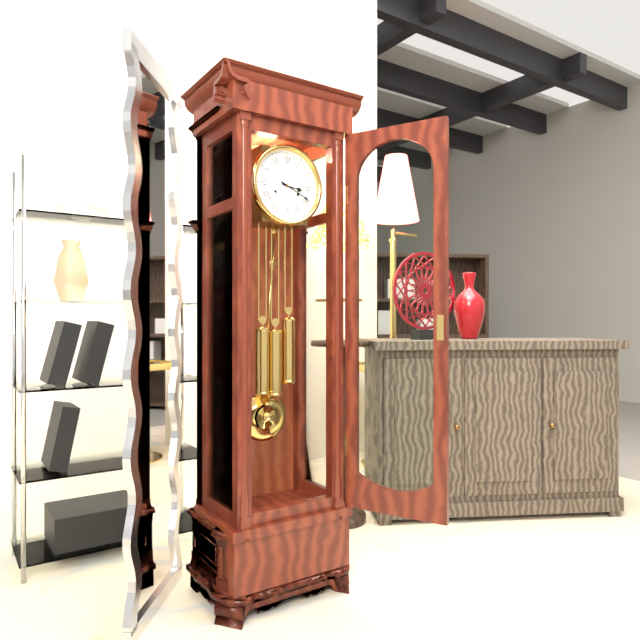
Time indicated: 3h19
